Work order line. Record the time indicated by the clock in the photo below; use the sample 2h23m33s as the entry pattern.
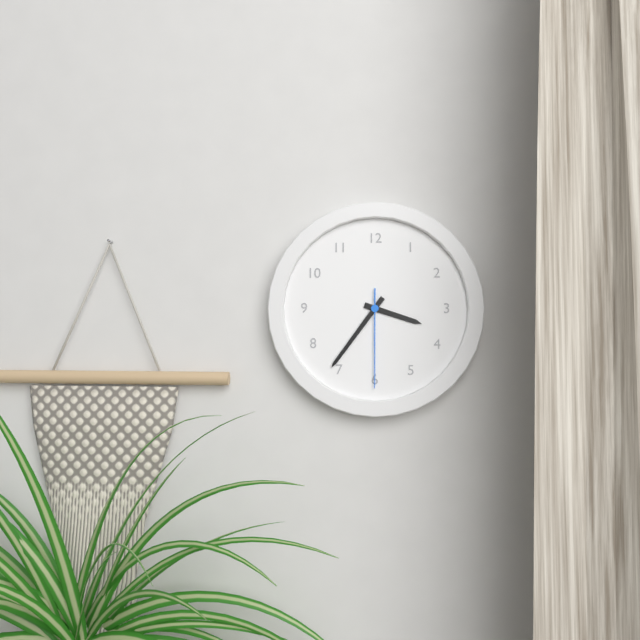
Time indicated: 3h36m30s
